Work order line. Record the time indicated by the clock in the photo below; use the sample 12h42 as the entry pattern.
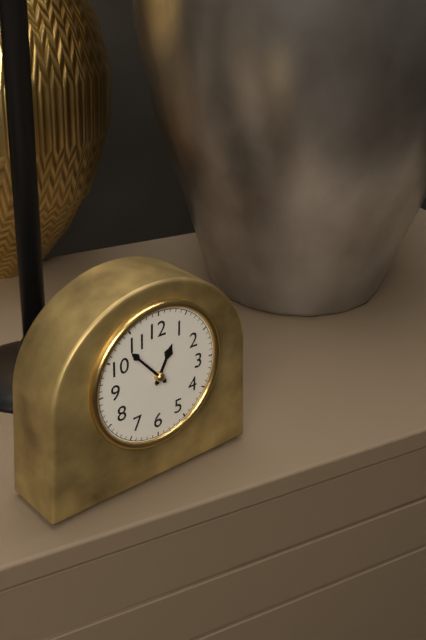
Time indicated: 12h53
